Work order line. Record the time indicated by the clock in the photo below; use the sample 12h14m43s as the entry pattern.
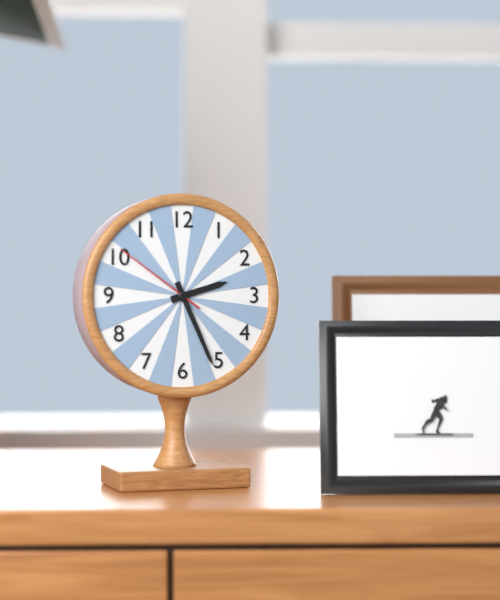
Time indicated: 2h26m51s
